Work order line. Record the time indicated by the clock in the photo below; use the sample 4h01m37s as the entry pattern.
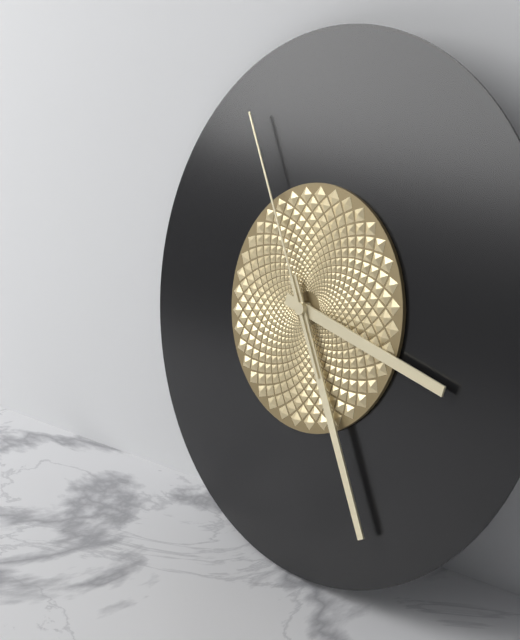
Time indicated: 3h25m55s
